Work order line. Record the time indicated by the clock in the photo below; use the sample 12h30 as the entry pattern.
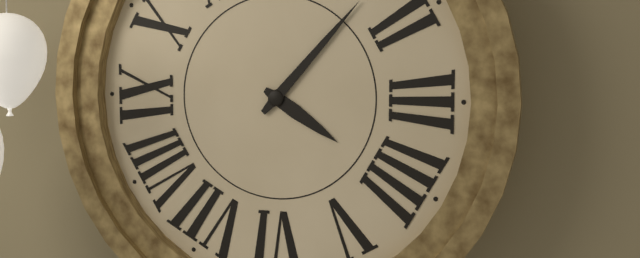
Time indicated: 4h07
